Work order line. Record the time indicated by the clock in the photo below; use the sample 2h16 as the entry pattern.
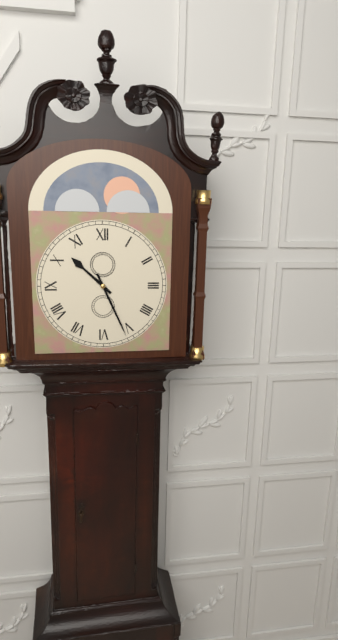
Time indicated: 10h26
